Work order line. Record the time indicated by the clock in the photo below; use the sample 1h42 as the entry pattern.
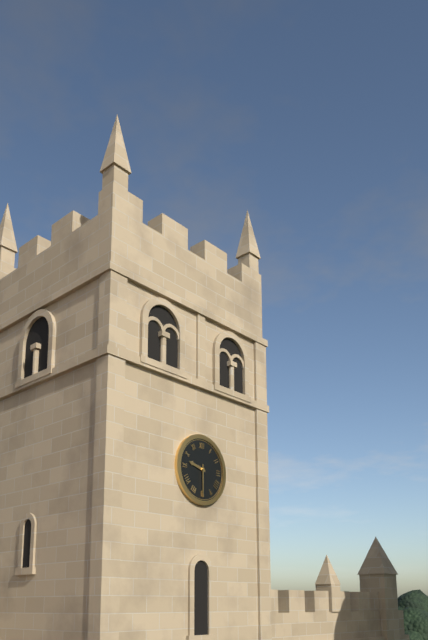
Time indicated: 9h30
